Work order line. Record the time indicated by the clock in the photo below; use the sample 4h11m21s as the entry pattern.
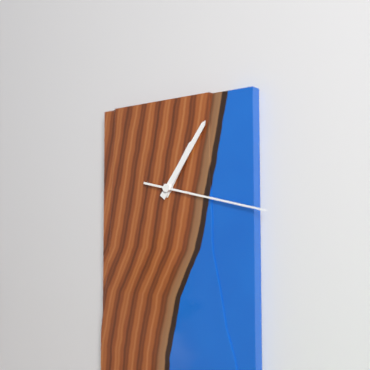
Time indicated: 1h06m17s
